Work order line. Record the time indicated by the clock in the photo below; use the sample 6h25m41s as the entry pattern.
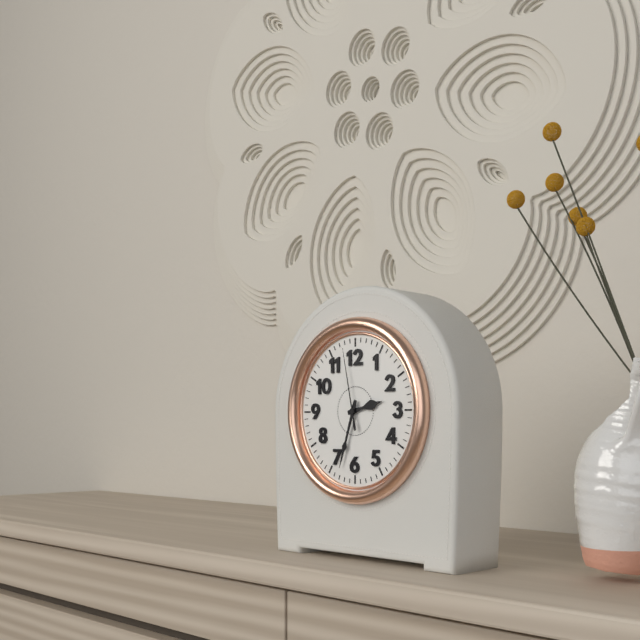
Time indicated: 2h33m58s
